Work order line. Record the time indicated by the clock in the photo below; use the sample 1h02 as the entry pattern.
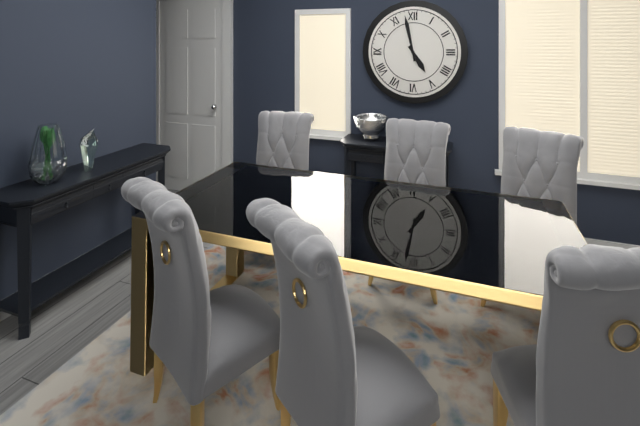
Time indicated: 4h58
